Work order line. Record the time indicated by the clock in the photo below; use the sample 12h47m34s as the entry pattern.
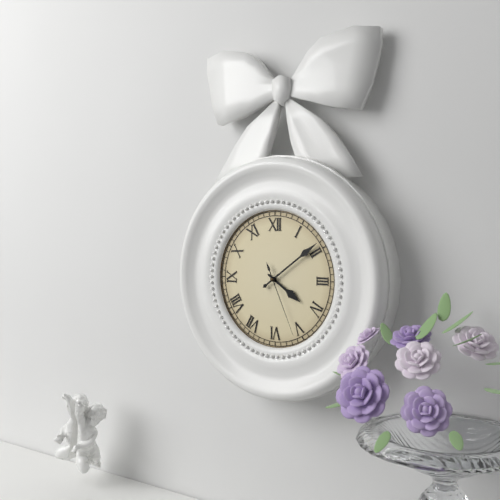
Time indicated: 4h09m26s
